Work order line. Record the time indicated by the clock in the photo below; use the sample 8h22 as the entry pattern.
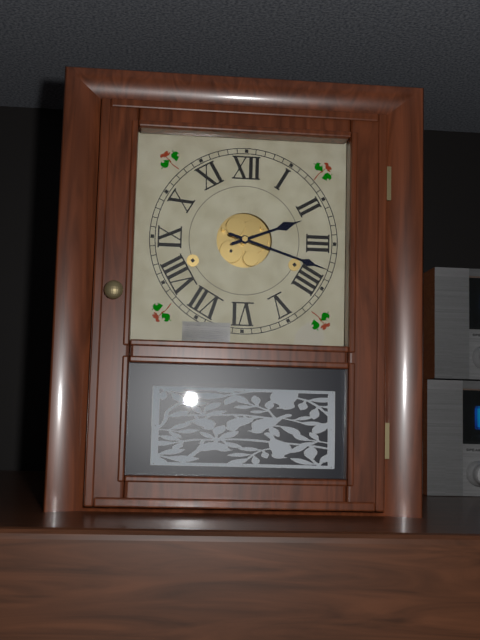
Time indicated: 2h18
